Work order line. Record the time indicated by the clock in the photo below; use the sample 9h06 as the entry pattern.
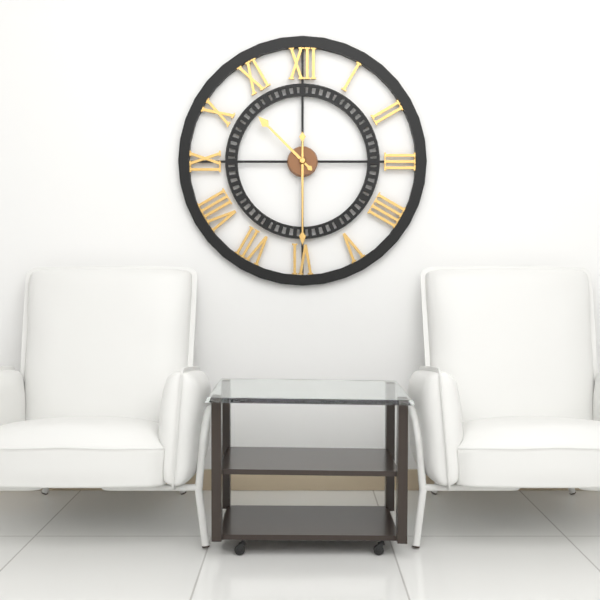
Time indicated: 10h30
